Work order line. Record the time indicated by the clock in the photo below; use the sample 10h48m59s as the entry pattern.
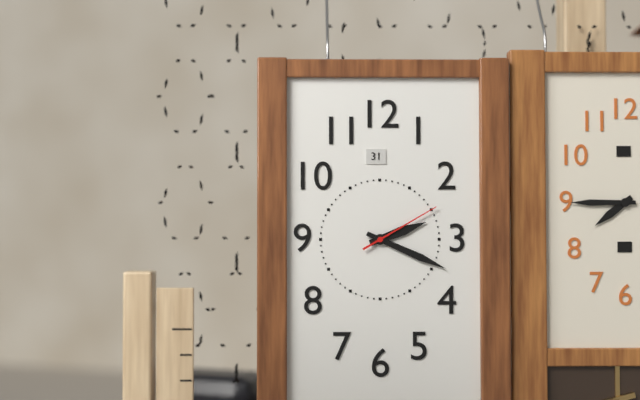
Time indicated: 2h19m10s
